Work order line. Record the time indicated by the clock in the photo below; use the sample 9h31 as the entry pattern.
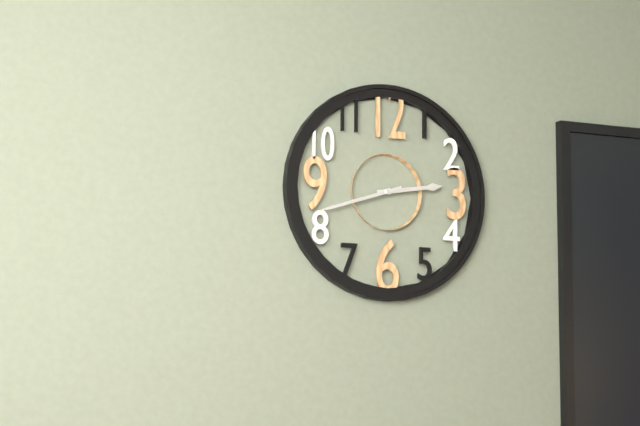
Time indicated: 2h42
